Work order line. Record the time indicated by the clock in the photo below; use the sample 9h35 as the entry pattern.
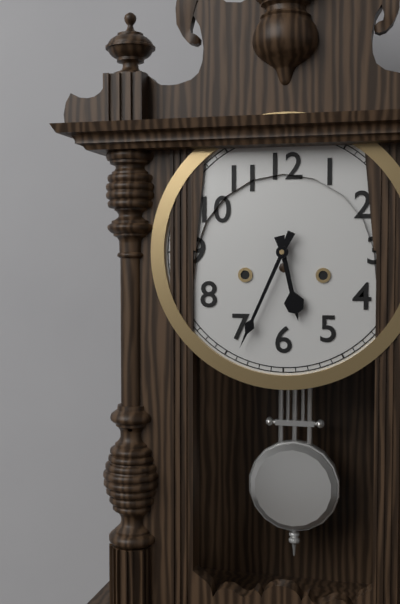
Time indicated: 5h34
